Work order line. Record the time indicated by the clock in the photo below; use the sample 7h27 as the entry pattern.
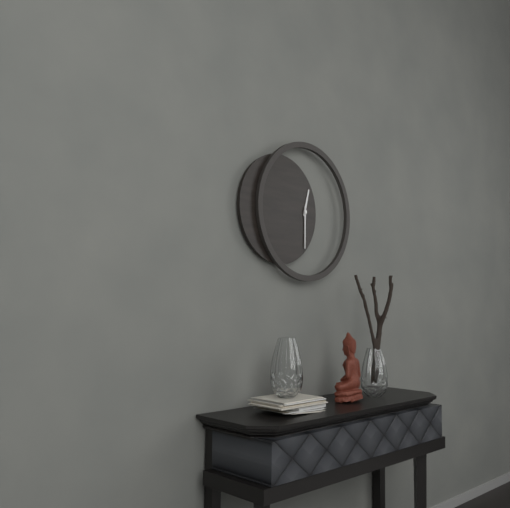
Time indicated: 12h30
